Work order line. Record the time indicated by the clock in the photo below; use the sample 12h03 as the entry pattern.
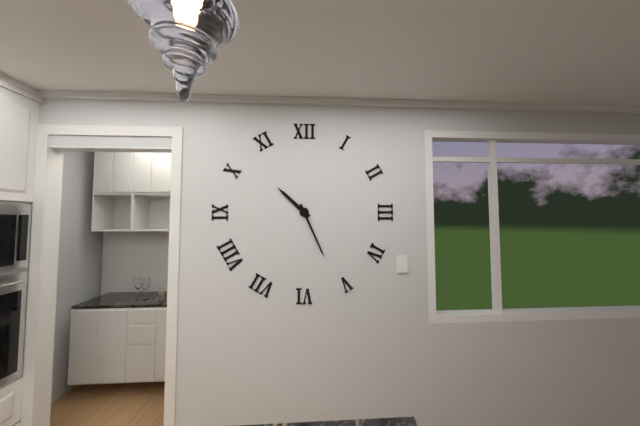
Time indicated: 10h26
